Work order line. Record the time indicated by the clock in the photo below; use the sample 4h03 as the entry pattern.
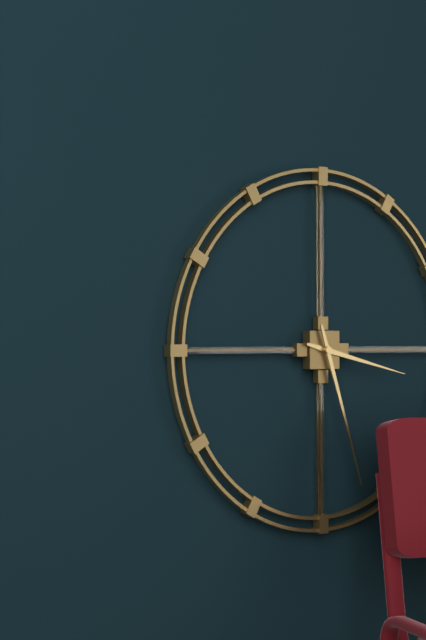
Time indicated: 3h27
